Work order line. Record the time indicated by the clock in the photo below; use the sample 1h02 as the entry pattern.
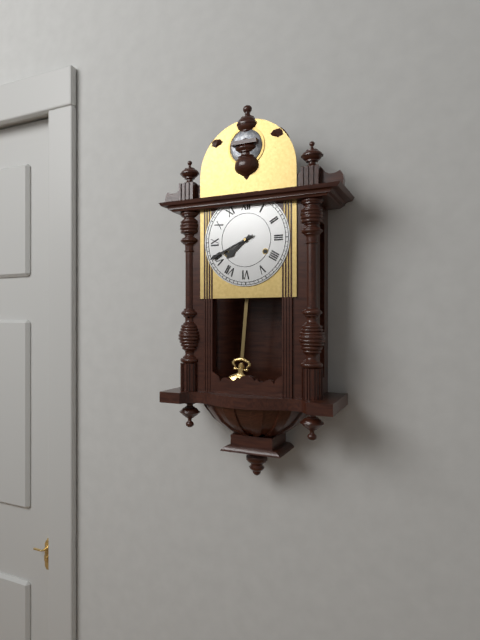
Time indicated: 7h41
